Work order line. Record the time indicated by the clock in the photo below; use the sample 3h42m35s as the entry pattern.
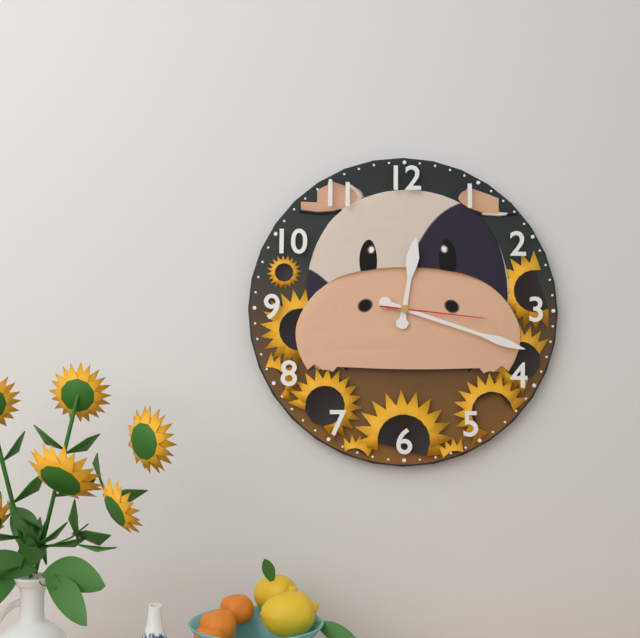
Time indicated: 12h18m16s
